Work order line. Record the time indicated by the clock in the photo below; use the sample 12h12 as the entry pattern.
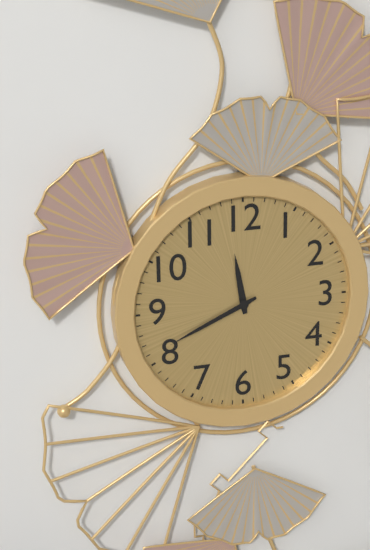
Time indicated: 11h41
